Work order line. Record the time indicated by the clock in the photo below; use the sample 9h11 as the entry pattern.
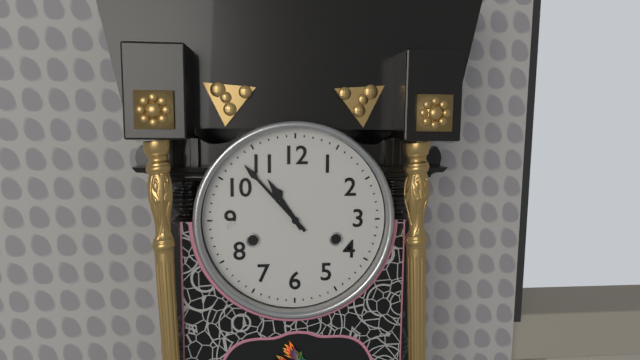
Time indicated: 10h53
